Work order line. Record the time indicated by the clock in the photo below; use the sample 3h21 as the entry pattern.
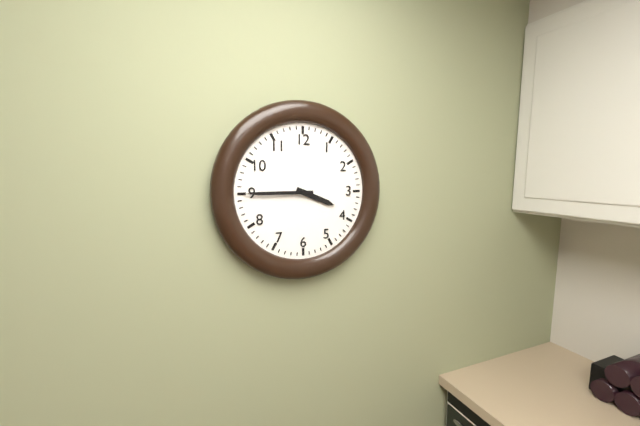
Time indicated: 3h45
